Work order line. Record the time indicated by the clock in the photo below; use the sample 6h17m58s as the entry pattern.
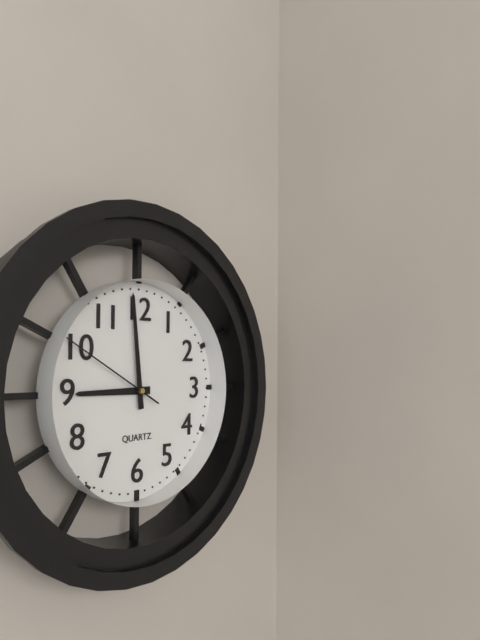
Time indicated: 8h59m50s
